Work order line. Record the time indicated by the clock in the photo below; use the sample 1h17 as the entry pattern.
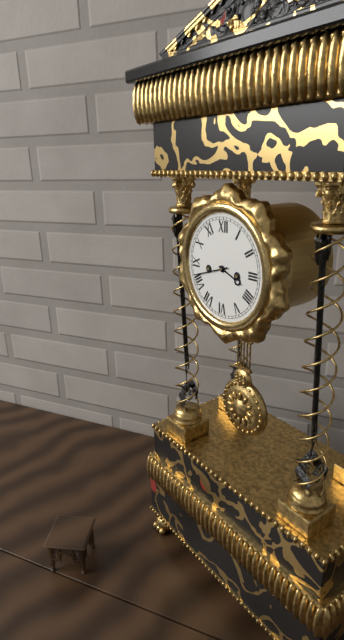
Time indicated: 3h42
